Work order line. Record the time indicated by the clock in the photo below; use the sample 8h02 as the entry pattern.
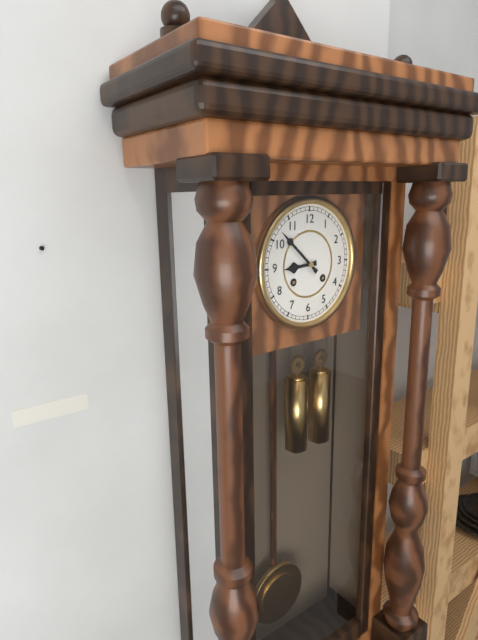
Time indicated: 8h52
